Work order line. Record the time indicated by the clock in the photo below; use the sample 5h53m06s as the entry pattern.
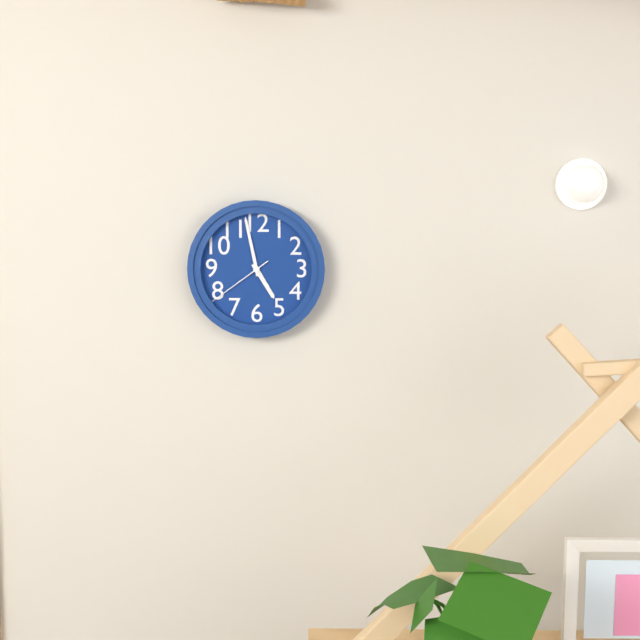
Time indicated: 4h58m39s
